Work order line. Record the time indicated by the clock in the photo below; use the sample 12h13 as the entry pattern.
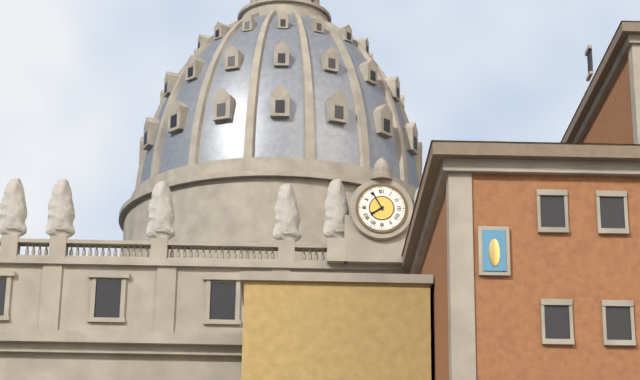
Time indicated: 7h55
